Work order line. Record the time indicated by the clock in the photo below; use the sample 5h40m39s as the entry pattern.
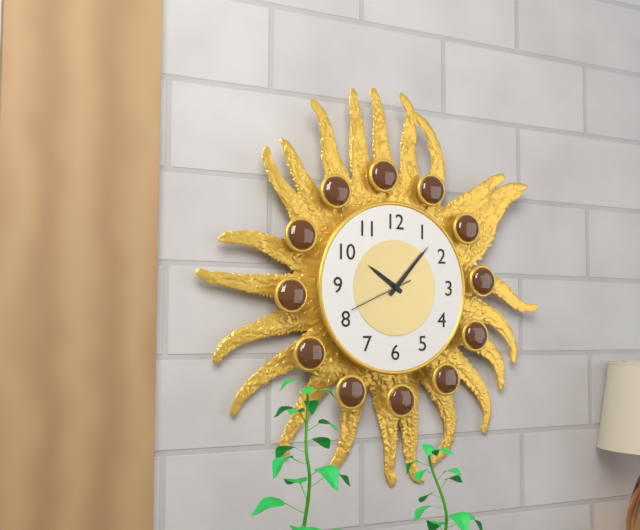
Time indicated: 10h07m41s
